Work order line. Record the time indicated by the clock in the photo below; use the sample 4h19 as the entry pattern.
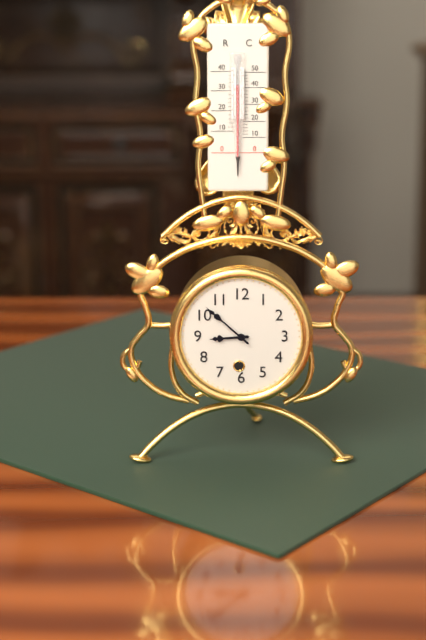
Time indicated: 8h52
